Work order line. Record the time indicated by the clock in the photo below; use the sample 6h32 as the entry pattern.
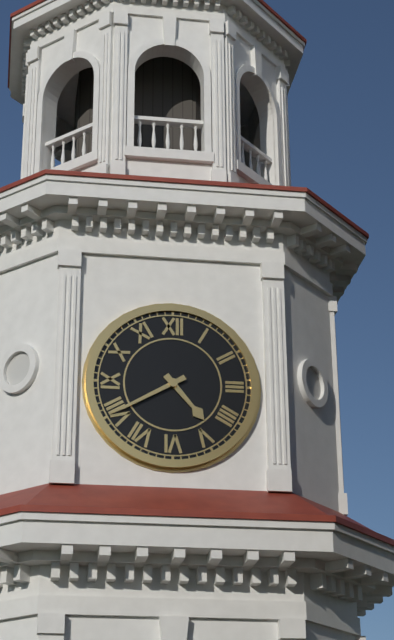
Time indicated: 4h40
